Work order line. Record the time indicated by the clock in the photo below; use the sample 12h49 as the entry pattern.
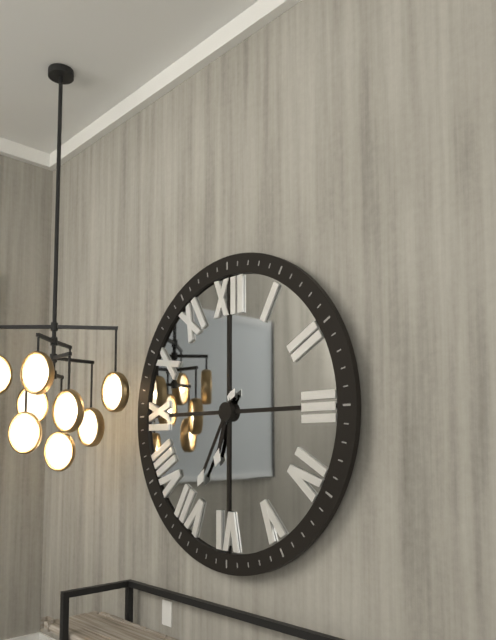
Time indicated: 6h35
